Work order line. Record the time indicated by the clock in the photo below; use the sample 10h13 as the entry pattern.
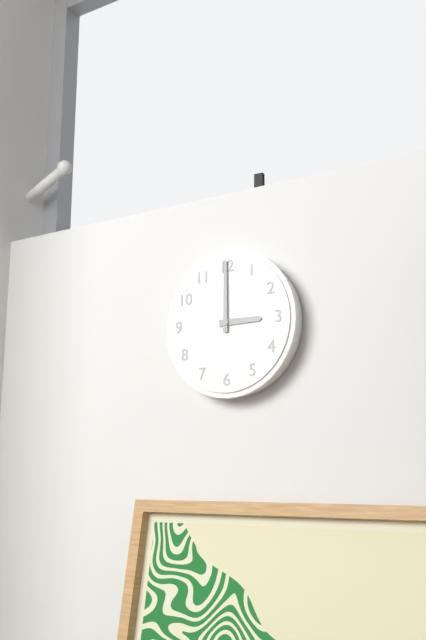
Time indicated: 3h00
